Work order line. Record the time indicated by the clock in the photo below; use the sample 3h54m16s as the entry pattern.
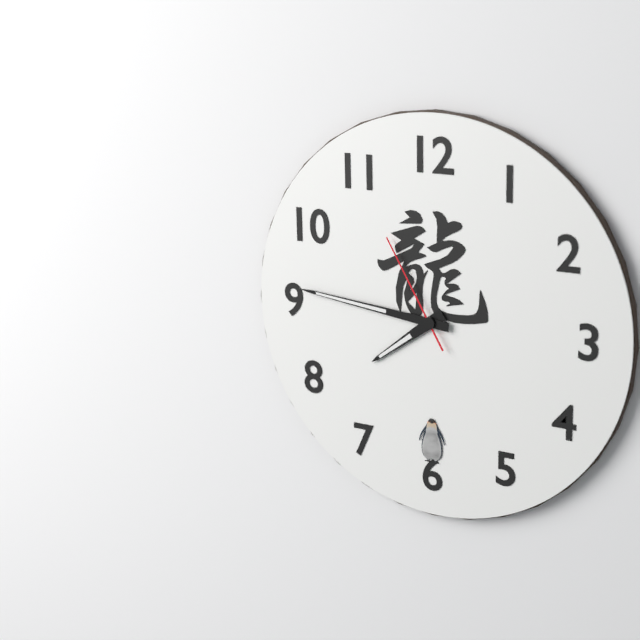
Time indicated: 7h46m55s
